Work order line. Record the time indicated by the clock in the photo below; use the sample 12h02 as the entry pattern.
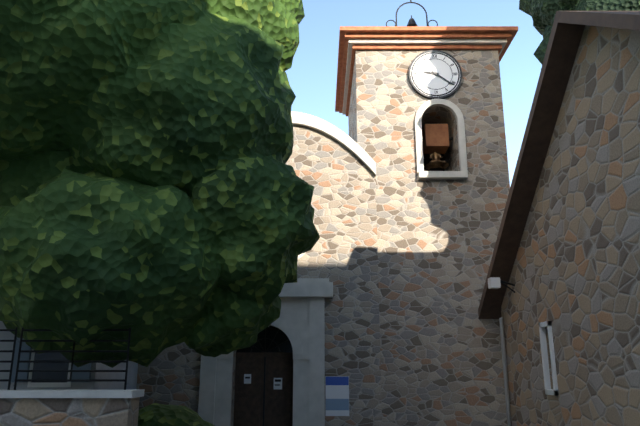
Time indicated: 9h21
